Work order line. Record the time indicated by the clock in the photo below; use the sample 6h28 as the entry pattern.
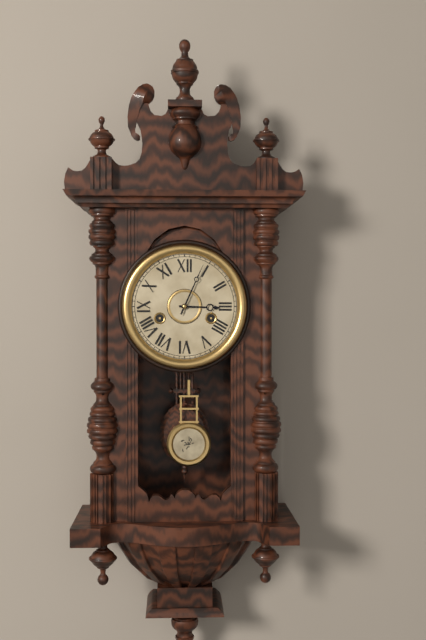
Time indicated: 3h04
